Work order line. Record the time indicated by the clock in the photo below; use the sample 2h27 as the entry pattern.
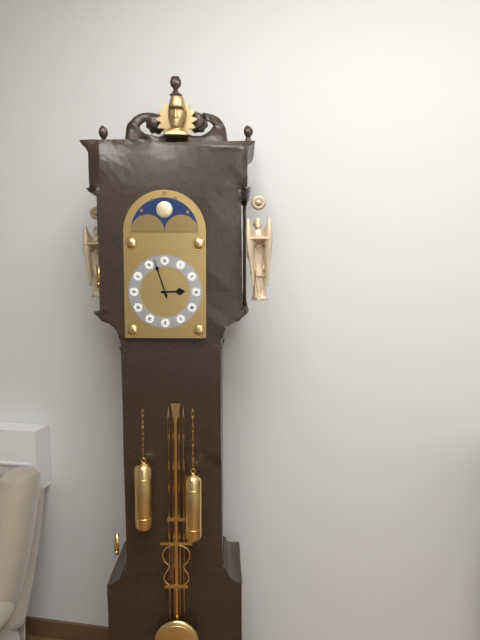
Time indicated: 2h57
